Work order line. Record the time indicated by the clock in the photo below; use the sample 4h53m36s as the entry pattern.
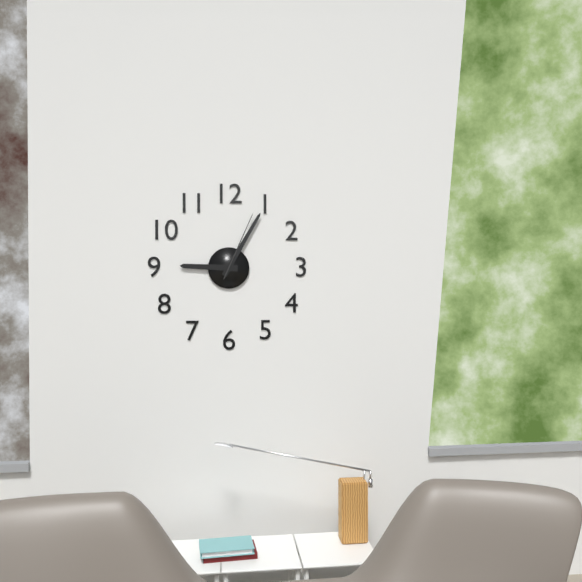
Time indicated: 9h05m04s
